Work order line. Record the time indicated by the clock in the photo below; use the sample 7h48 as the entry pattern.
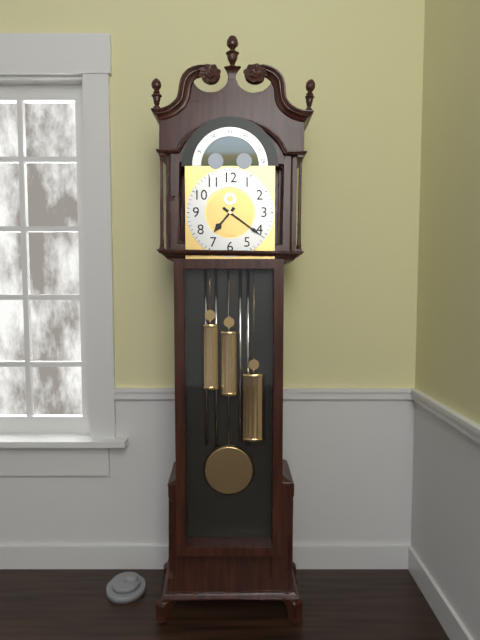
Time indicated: 7h21
